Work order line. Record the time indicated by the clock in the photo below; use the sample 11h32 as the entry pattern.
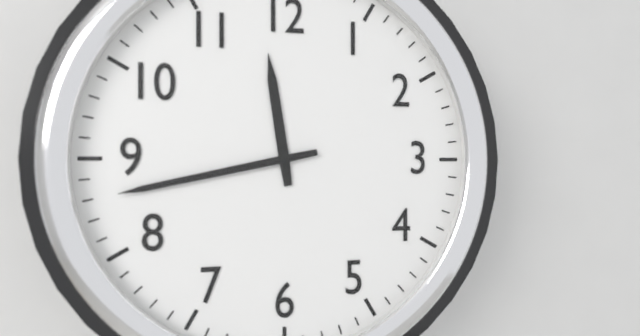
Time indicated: 11h43
